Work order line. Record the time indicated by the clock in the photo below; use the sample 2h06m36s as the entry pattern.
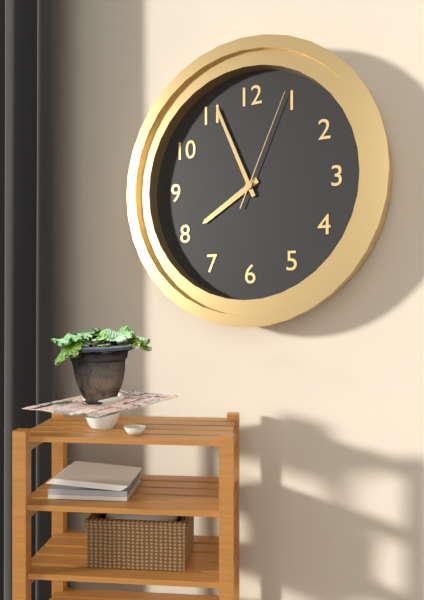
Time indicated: 7h56m04s
